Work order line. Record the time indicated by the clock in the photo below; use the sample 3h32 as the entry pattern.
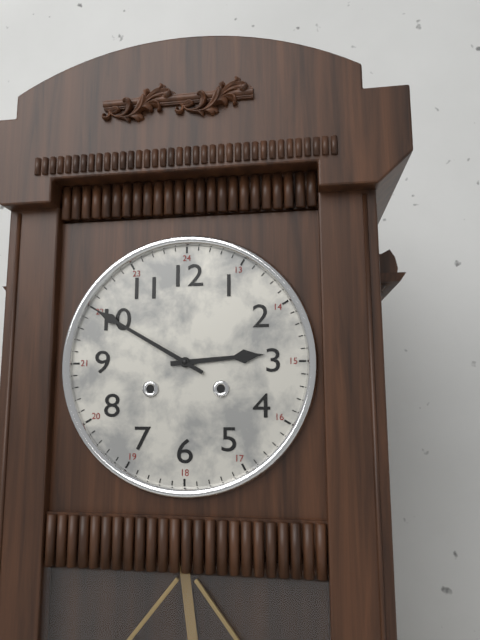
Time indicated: 2h50
